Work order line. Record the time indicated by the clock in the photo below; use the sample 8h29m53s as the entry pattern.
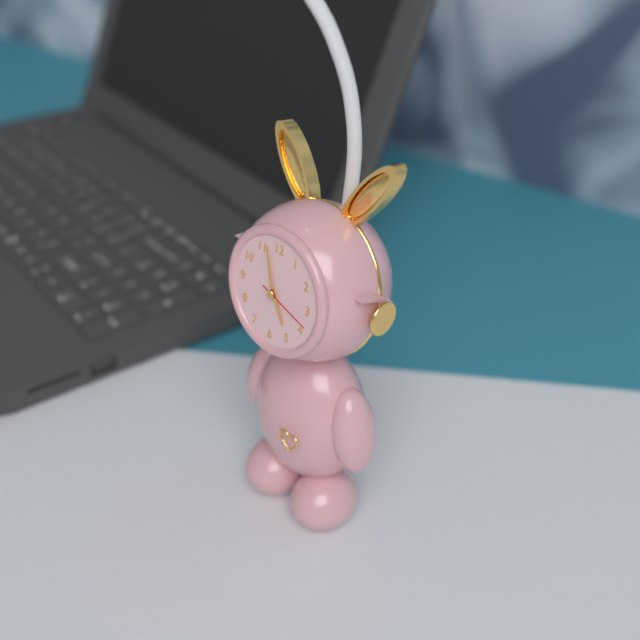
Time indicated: 4h57m18s
